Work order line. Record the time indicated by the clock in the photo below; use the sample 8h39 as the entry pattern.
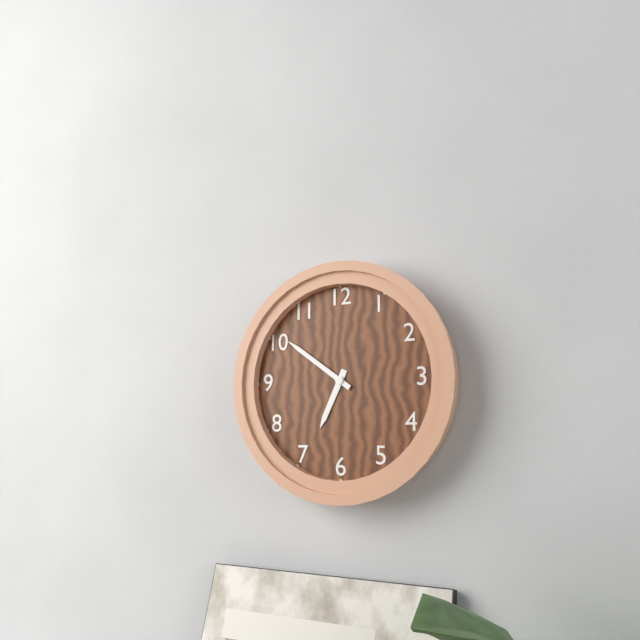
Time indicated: 6h51
